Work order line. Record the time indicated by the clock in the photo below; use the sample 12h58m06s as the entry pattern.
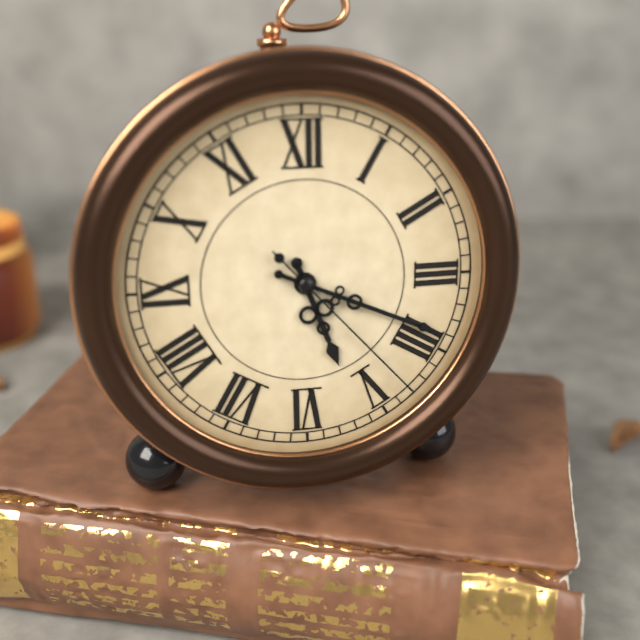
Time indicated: 5h19m23s
